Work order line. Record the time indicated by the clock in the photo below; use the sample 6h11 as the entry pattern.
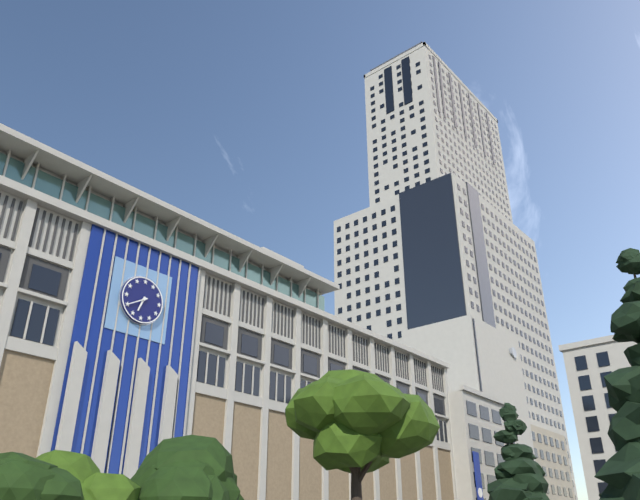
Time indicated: 6h40
